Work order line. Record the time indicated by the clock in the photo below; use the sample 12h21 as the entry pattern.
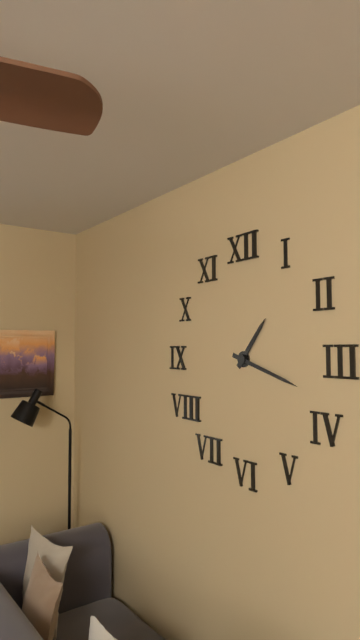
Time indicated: 1h18
